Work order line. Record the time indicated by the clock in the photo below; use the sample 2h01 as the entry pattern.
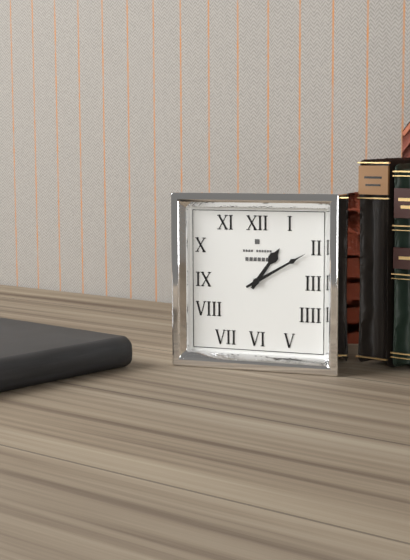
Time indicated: 1h10
